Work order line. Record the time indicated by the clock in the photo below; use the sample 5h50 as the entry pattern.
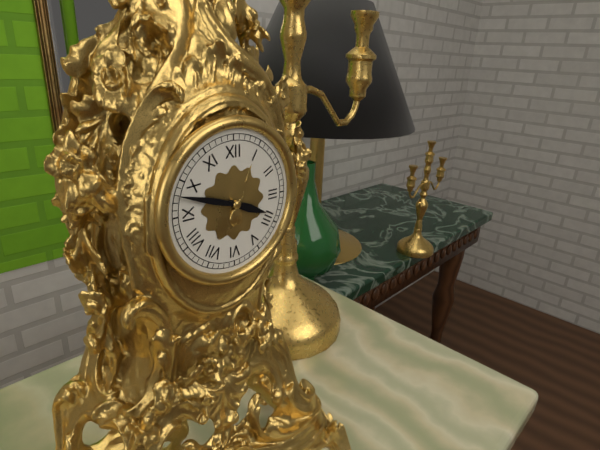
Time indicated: 3h48
